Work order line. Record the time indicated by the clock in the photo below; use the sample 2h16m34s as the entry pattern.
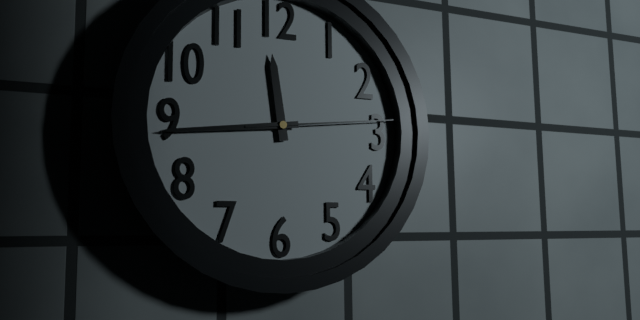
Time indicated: 11h44m14s
